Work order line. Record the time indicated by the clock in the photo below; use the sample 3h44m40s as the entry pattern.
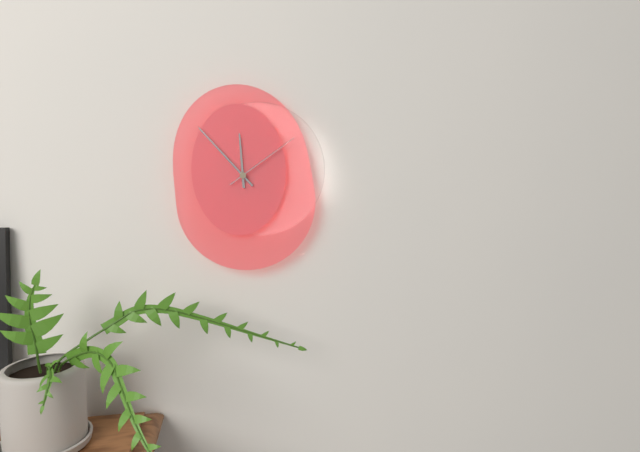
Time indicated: 11h53m09s
